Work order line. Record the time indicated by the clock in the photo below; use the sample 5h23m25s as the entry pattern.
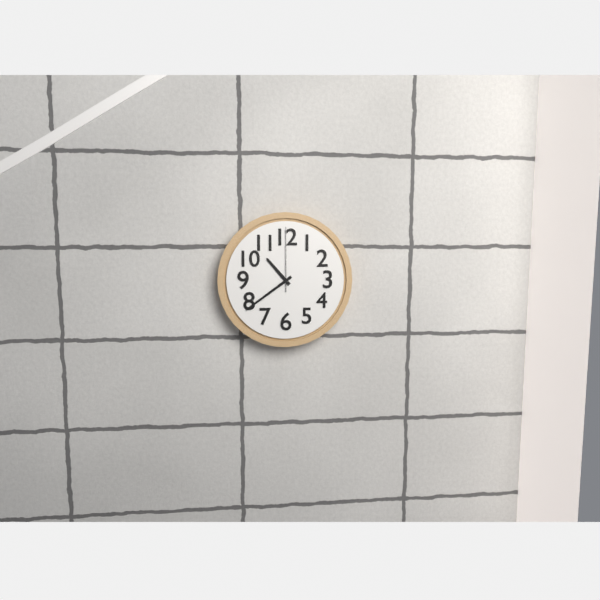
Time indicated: 10h39m00s
